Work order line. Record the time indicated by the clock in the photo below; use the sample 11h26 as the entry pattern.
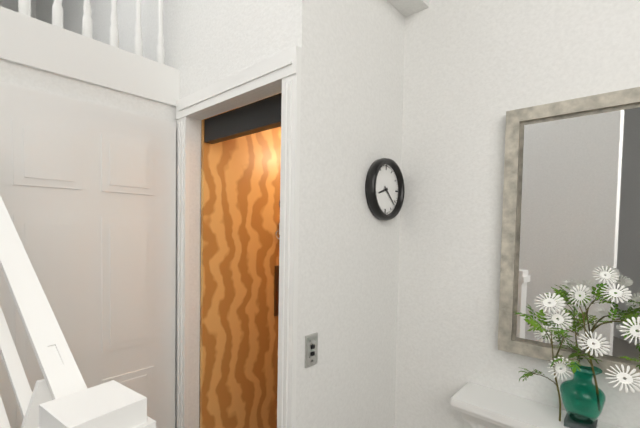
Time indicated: 8h22
